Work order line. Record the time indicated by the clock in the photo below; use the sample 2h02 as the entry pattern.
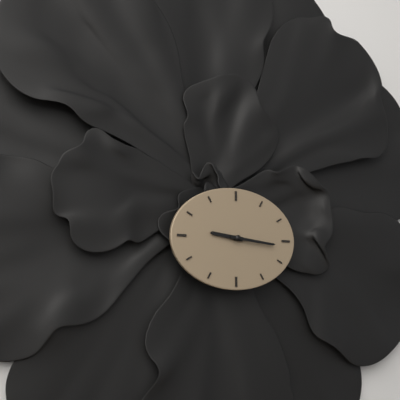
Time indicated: 9h16
